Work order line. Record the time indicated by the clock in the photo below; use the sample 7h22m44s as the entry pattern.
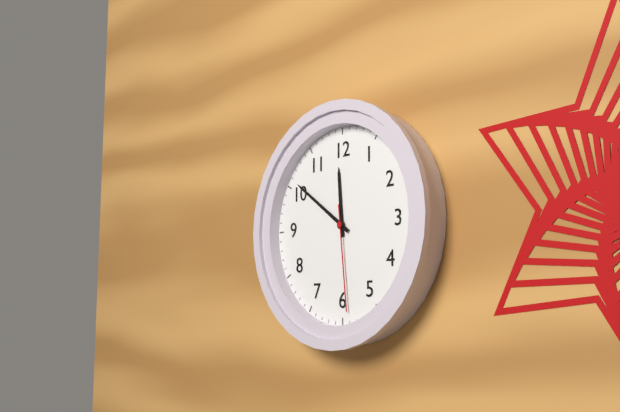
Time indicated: 11h51m29s
